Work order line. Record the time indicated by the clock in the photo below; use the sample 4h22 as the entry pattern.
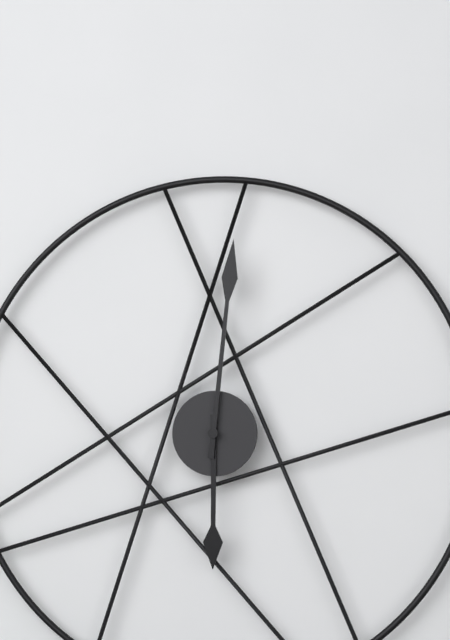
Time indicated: 6h01
